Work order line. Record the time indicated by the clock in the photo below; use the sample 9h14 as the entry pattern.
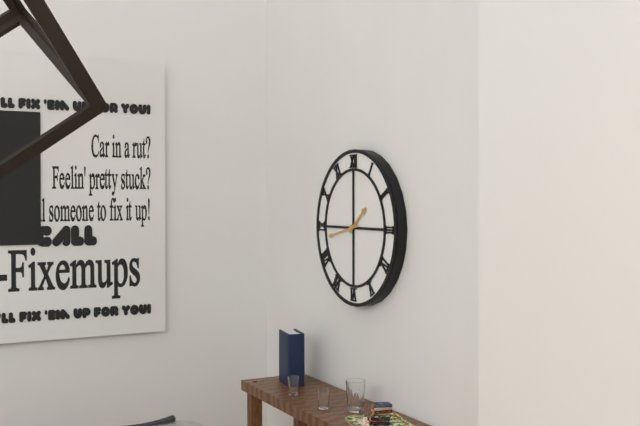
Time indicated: 1h43
